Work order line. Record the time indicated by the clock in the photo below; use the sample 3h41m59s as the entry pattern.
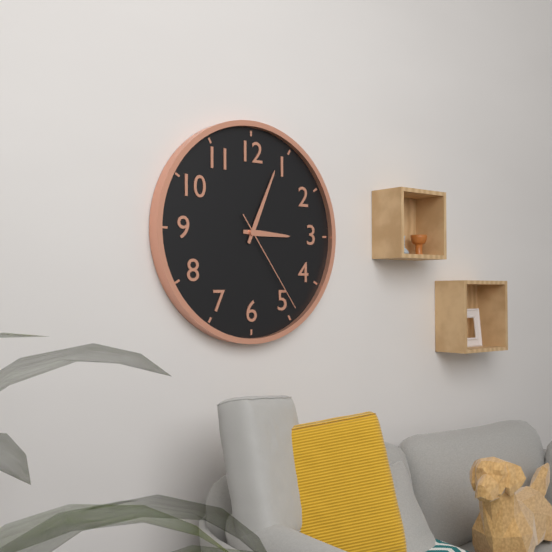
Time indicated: 3h04m24s
